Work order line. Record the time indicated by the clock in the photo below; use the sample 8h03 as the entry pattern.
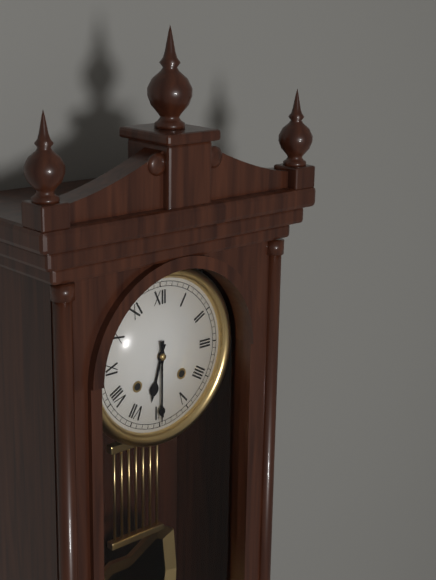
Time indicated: 6h30
